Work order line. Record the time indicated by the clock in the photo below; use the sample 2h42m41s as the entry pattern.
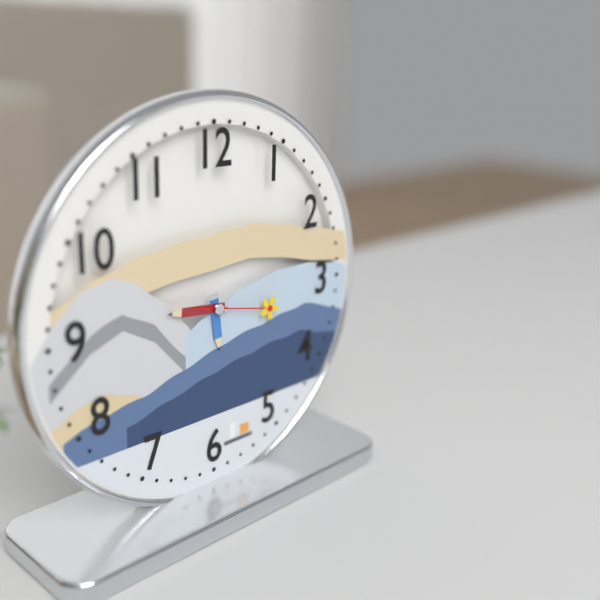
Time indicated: 5h46m17s
